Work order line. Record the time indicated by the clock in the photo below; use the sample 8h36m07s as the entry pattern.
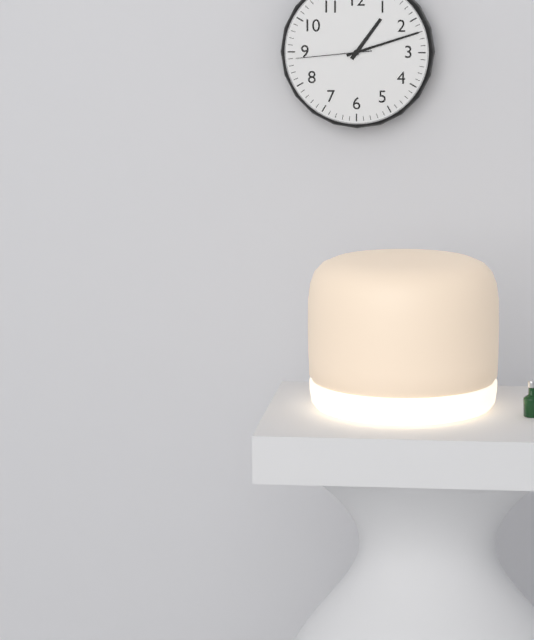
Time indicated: 1h12m44s
